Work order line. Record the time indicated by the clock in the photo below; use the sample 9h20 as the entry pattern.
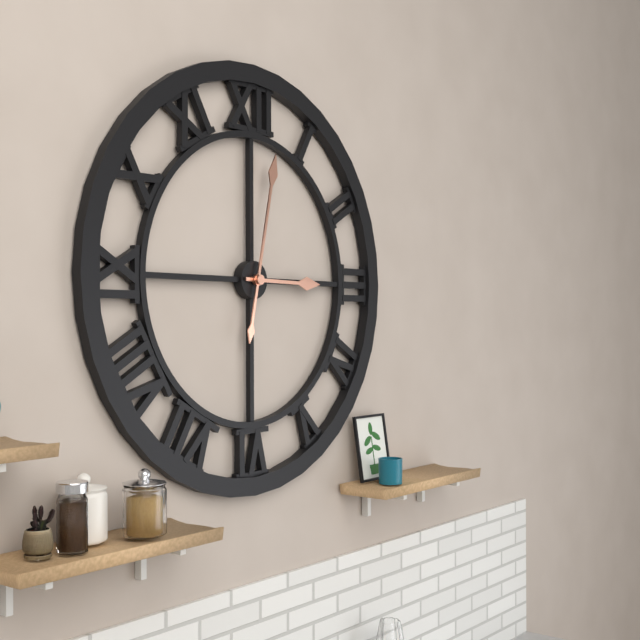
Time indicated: 3h02
